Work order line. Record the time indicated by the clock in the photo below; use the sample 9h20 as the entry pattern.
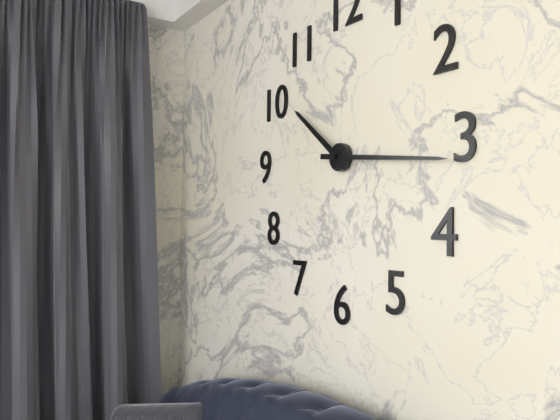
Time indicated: 10h16
